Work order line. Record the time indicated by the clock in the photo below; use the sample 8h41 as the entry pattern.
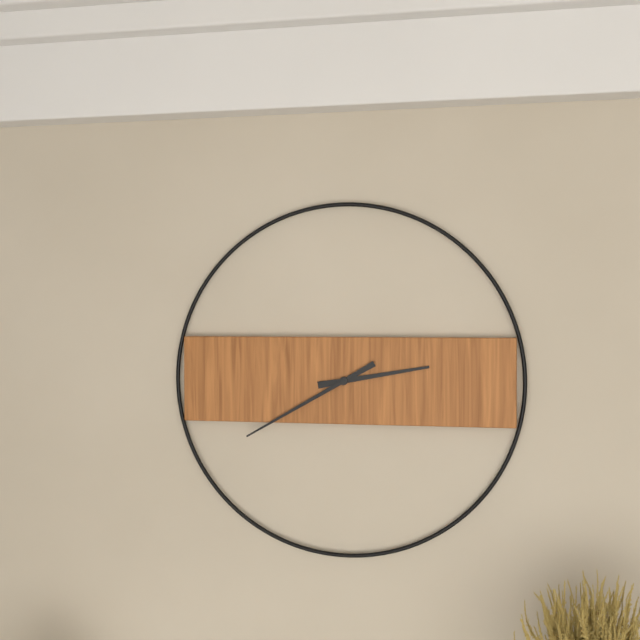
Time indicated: 2h40
